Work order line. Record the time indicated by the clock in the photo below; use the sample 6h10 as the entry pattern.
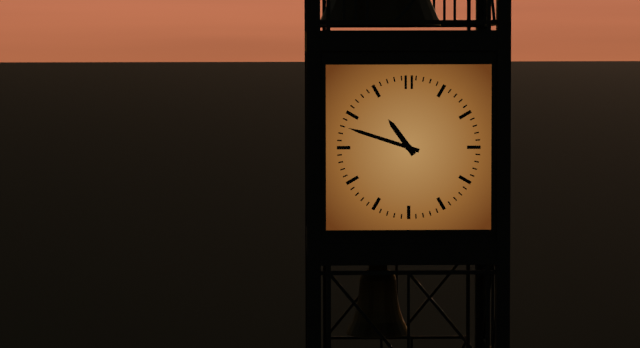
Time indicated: 10h48
